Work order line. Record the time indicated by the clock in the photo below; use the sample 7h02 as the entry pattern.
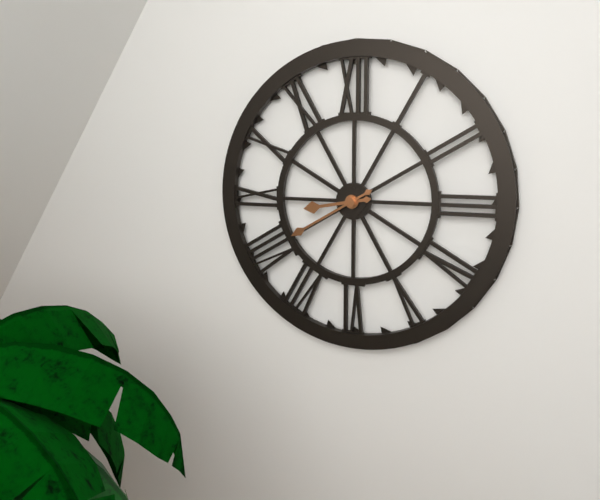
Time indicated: 8h40
